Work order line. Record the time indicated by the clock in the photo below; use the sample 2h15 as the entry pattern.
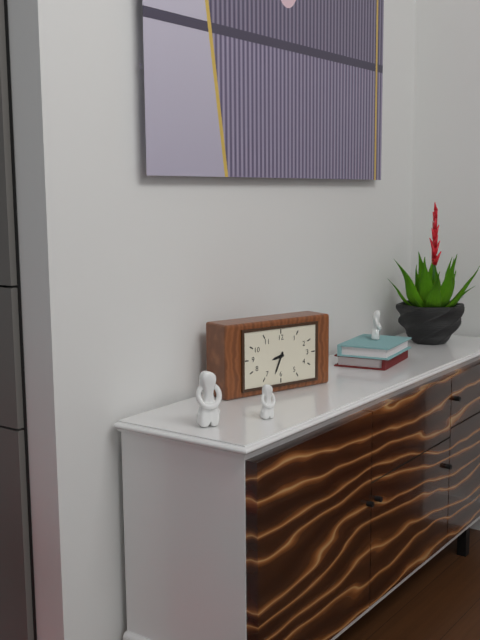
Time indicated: 8h34
